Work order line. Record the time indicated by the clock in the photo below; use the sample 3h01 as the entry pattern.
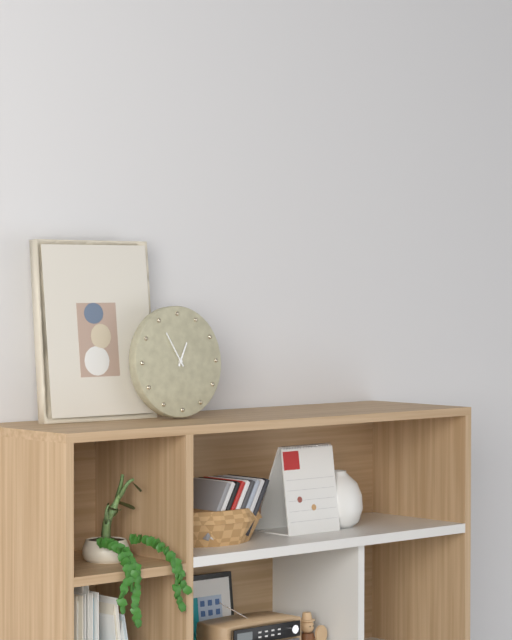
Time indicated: 12h55
